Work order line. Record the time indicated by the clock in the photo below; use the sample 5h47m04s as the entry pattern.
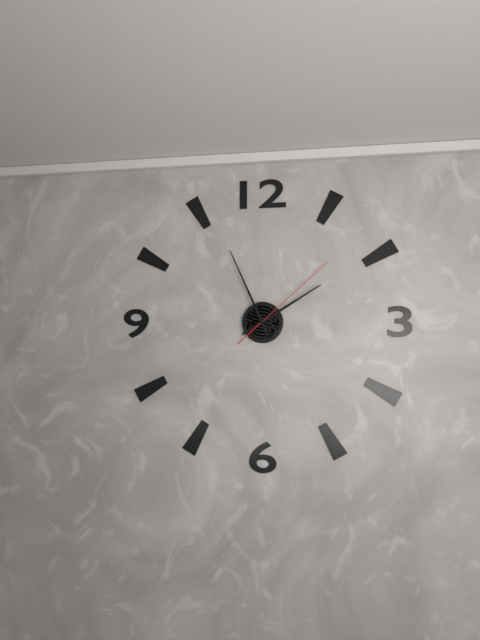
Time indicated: 1h56m08s
